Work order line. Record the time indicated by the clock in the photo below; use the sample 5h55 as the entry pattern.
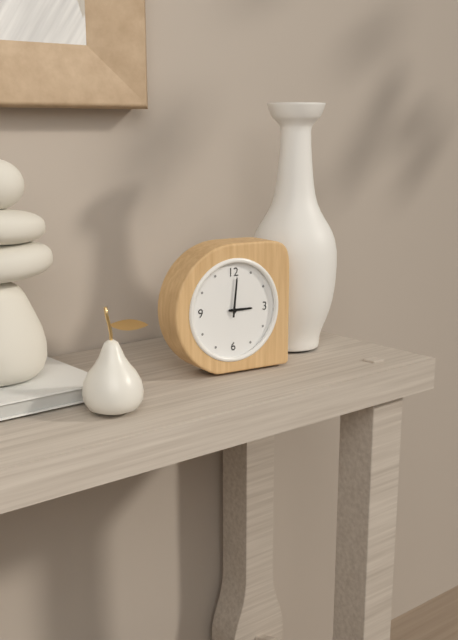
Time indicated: 3h01
